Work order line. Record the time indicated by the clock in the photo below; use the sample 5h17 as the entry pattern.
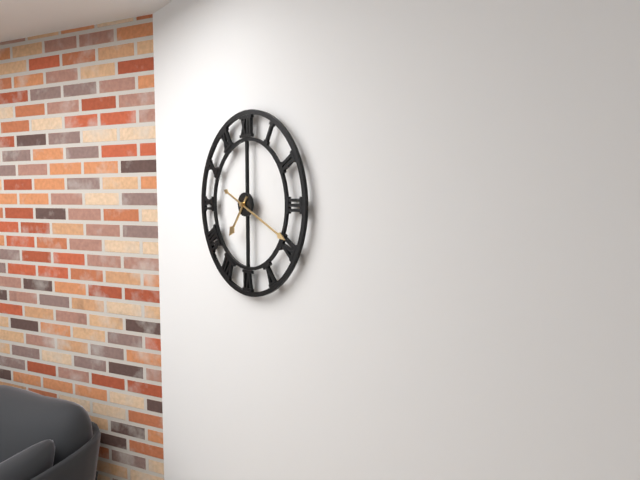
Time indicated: 7h19
